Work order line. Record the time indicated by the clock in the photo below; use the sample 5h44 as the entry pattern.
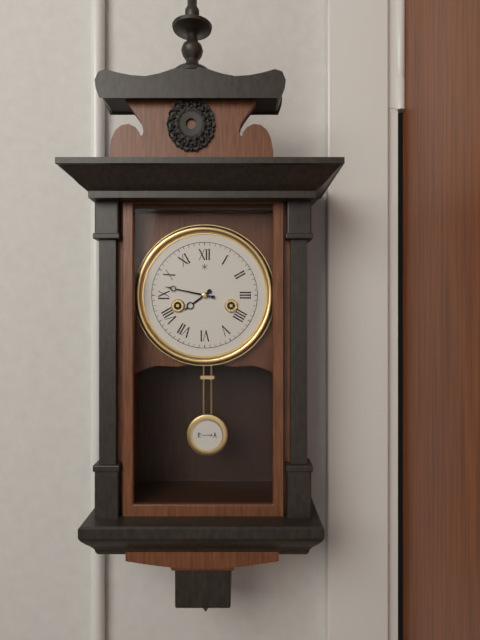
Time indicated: 7h47
